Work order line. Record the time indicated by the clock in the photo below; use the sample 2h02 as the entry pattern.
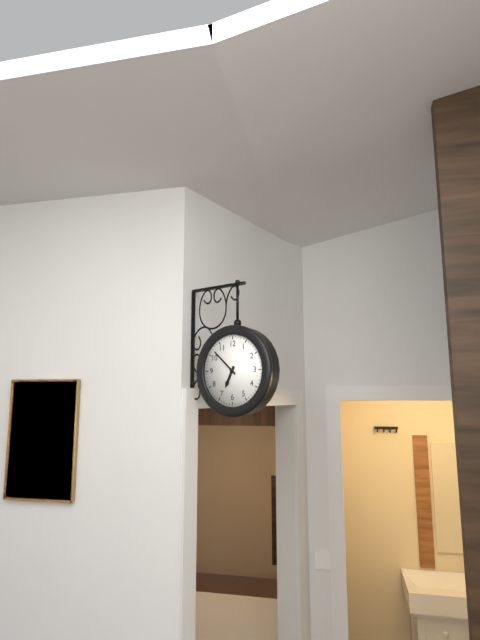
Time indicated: 6h52
